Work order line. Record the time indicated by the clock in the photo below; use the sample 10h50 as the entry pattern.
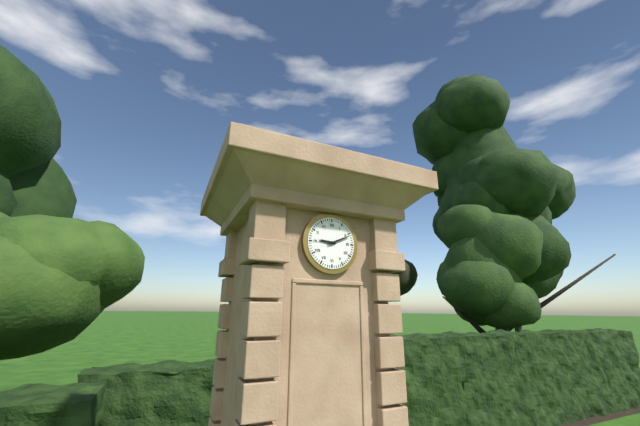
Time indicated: 9h11
